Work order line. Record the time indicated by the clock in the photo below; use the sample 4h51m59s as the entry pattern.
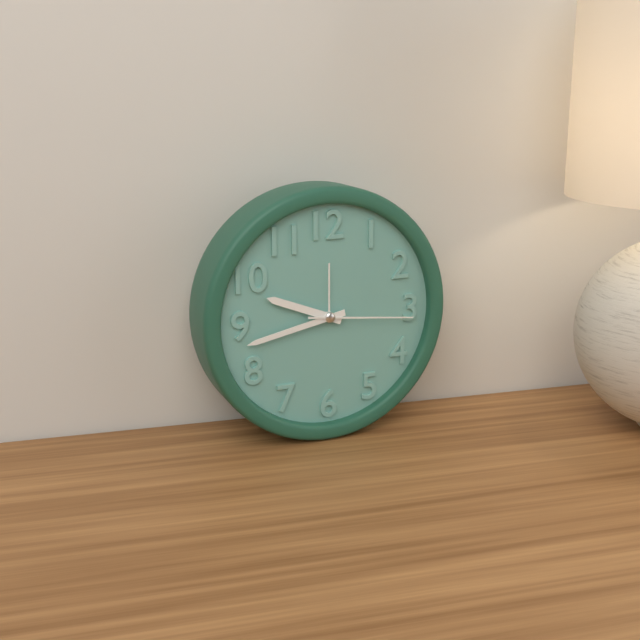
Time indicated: 9h43m16s
